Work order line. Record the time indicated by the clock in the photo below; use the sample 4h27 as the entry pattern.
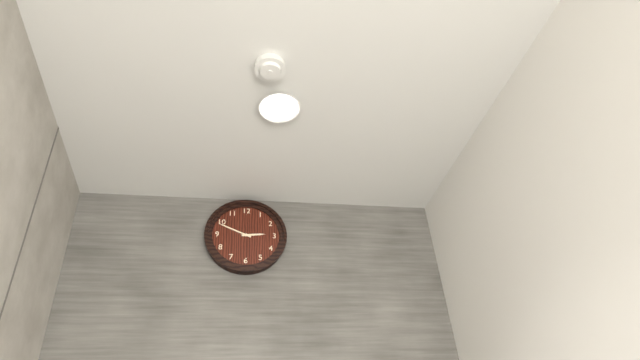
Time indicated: 2h49
